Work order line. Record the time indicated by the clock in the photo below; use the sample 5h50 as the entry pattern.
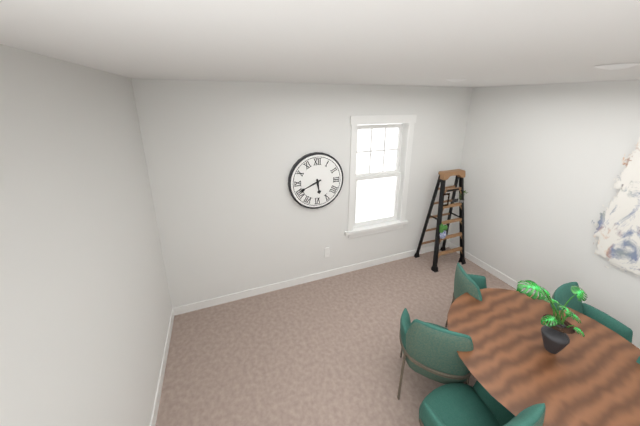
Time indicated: 5h41
